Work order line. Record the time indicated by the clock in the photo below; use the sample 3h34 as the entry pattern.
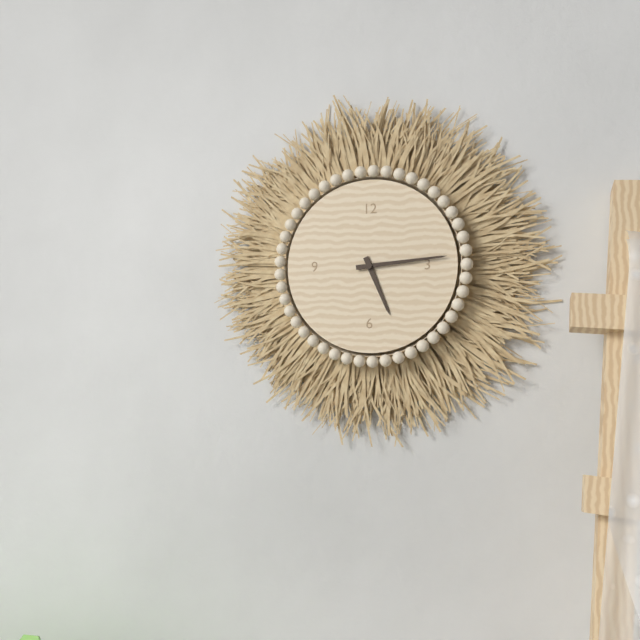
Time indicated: 5h14
